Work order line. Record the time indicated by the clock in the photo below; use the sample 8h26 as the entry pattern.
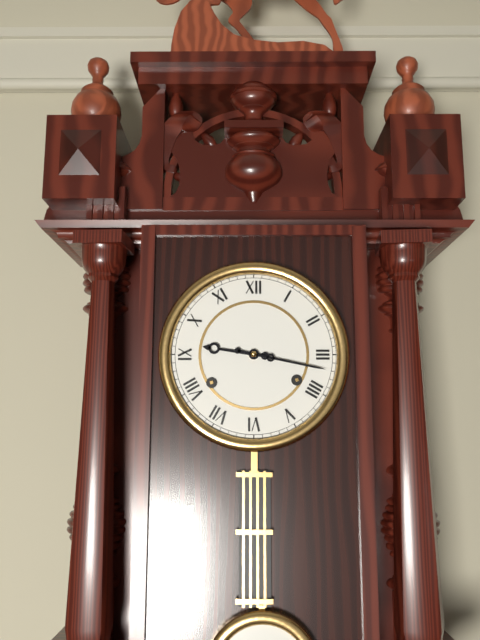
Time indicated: 9h17
